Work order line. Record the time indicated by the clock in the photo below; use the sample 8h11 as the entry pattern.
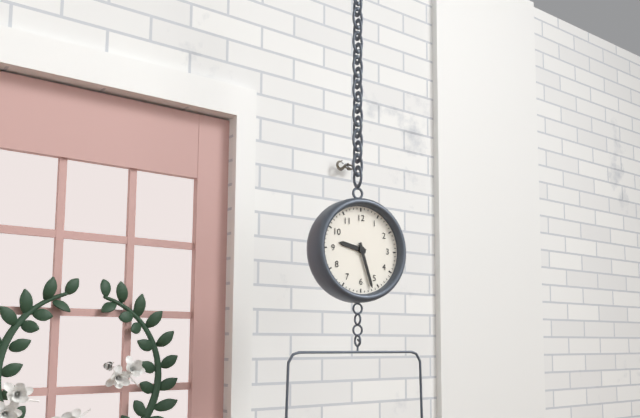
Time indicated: 9h27
